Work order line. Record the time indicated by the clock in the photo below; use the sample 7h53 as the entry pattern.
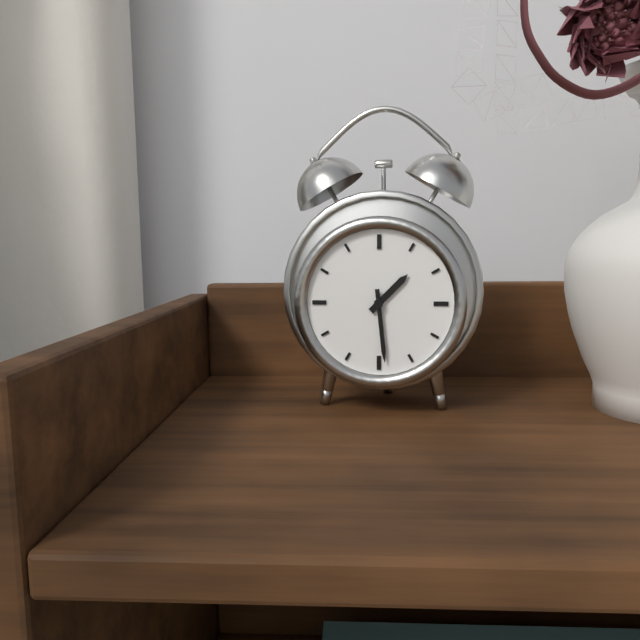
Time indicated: 1h29
